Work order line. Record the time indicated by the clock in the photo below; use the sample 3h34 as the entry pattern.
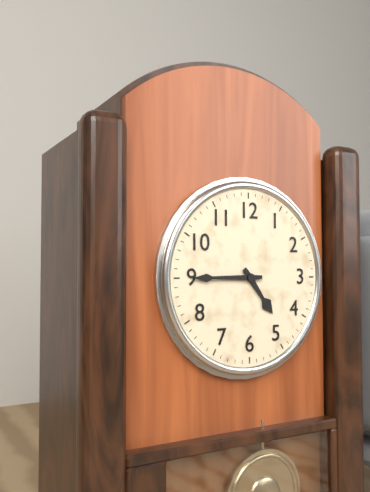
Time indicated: 4h45
